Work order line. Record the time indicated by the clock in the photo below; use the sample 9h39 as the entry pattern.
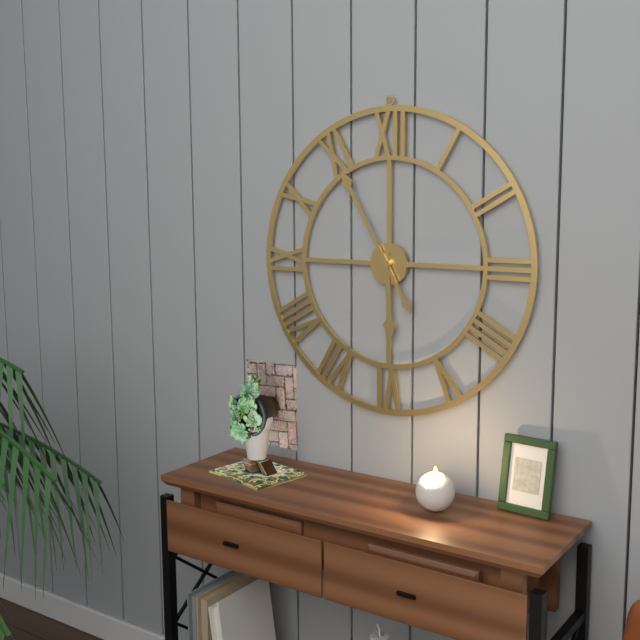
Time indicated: 5h55
